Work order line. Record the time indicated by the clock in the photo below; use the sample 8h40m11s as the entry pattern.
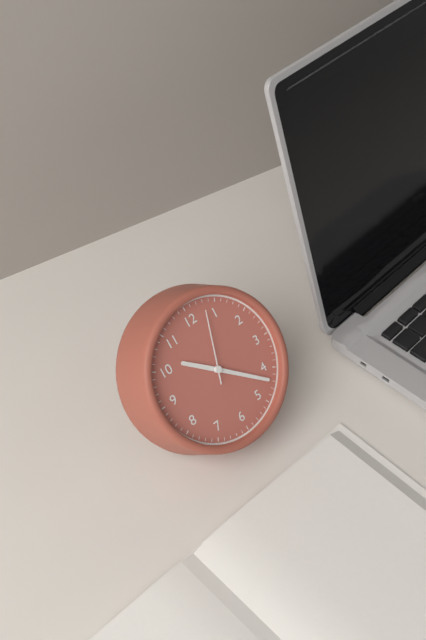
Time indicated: 10h22m03s
